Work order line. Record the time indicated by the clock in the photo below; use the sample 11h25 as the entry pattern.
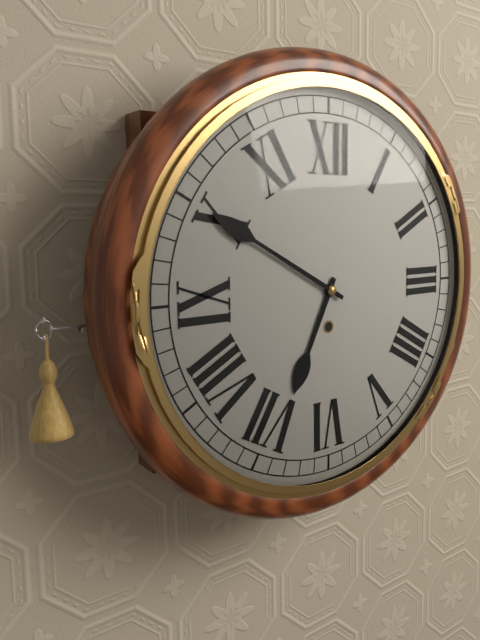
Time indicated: 6h50
